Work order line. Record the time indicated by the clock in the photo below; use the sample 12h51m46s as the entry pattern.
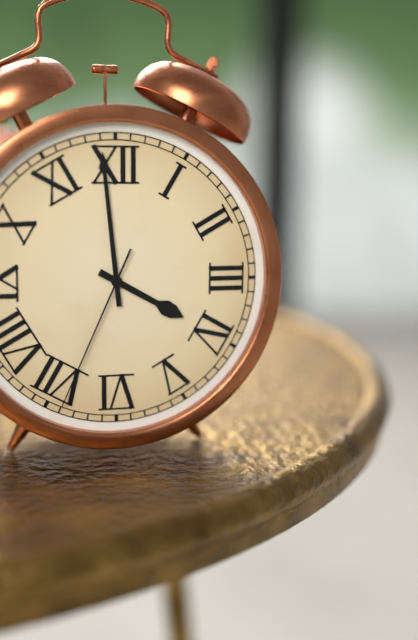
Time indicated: 3h59m34s
